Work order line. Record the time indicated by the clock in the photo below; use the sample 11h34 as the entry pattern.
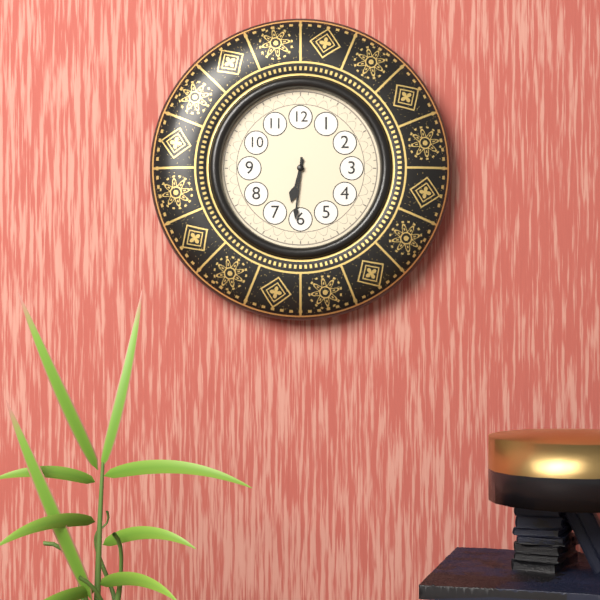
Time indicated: 6h31
